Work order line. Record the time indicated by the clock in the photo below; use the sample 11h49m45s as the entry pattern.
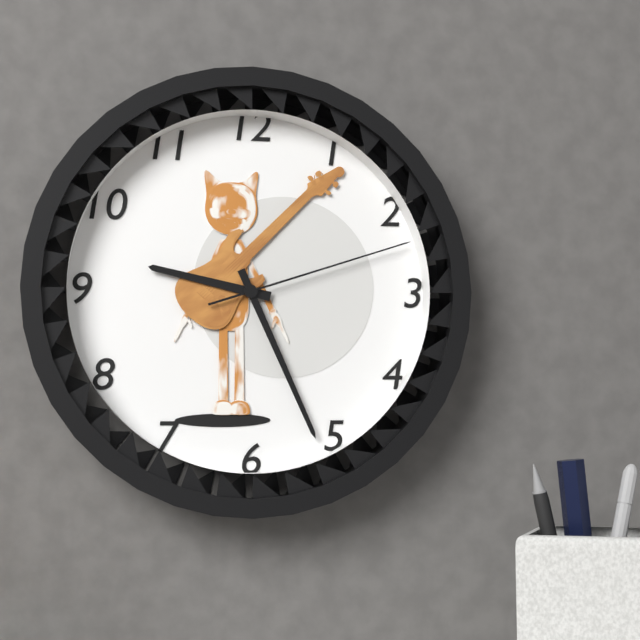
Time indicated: 9h26m12s
